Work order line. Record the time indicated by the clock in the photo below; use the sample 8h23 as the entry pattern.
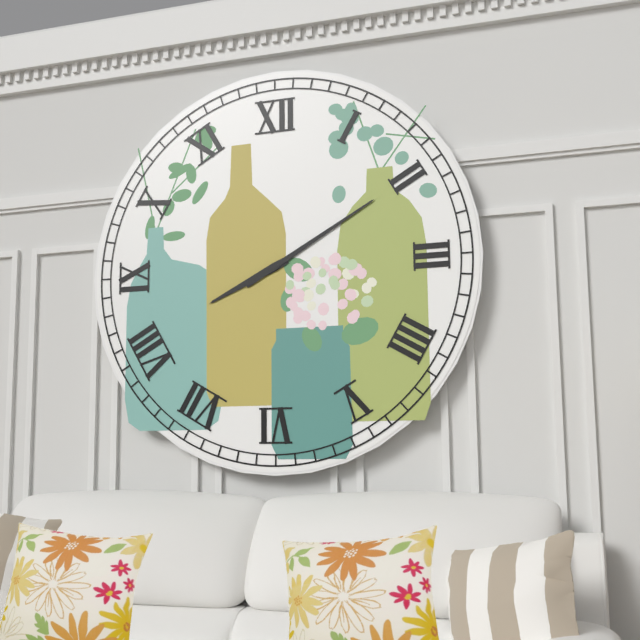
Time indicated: 8h10
